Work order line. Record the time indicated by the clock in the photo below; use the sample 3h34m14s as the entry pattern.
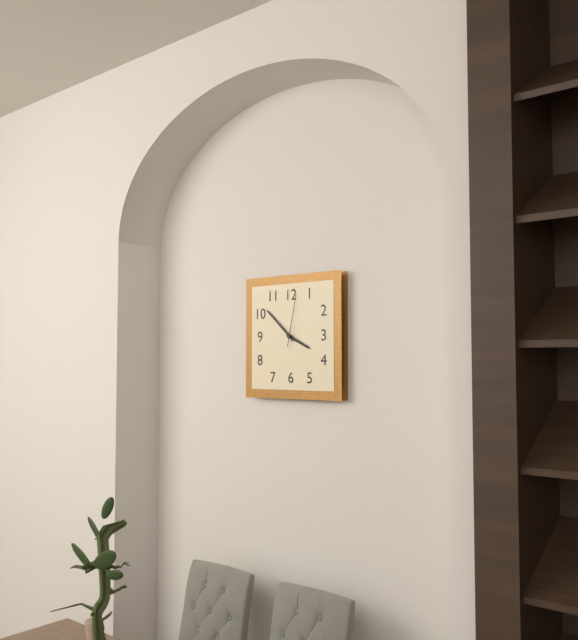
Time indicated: 3h52m02s
